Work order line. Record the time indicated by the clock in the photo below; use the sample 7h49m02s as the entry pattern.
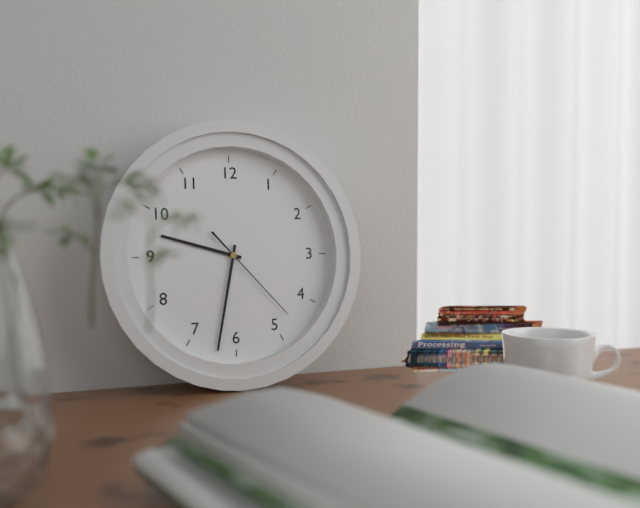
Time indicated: 9h32m23s
